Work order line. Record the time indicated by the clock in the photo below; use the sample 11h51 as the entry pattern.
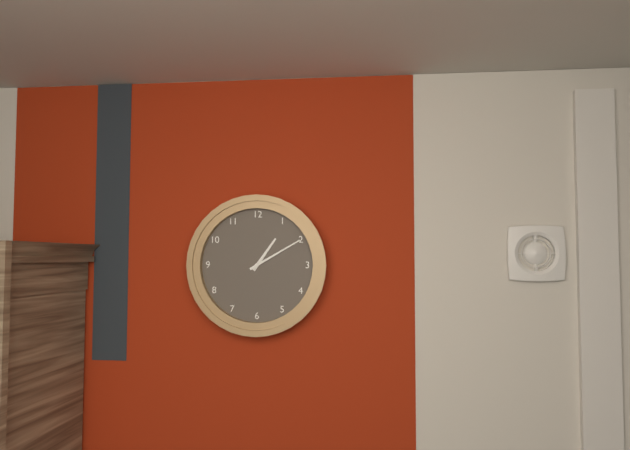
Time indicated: 1h10
